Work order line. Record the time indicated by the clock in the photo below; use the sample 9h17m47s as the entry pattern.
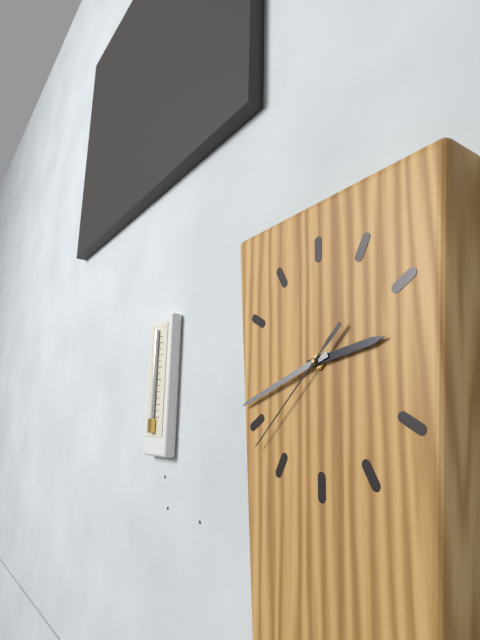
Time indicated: 2h42m38s
